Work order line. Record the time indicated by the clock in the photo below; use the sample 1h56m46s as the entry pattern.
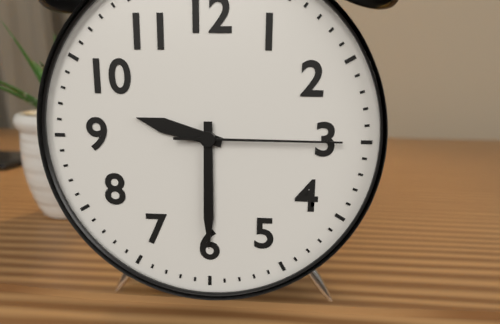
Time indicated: 9h30m15s
